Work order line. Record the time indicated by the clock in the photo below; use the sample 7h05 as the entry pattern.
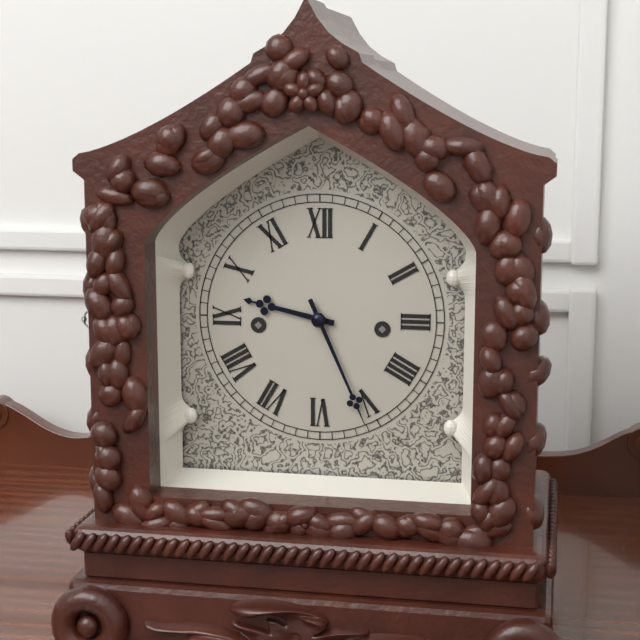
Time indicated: 9h26
